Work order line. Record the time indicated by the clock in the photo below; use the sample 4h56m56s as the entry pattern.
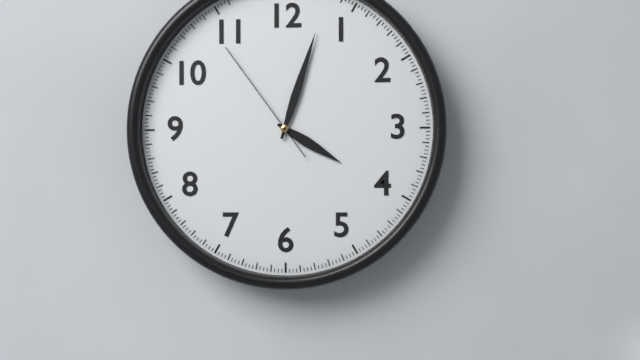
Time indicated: 4h03m54s
